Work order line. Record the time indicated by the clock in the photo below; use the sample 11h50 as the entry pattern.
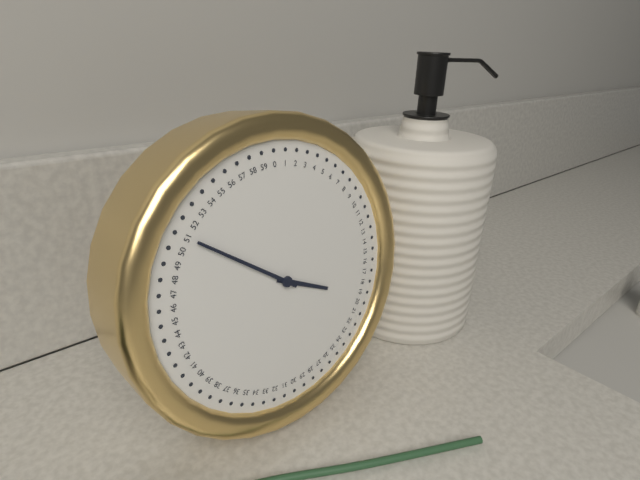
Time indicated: 3h51
